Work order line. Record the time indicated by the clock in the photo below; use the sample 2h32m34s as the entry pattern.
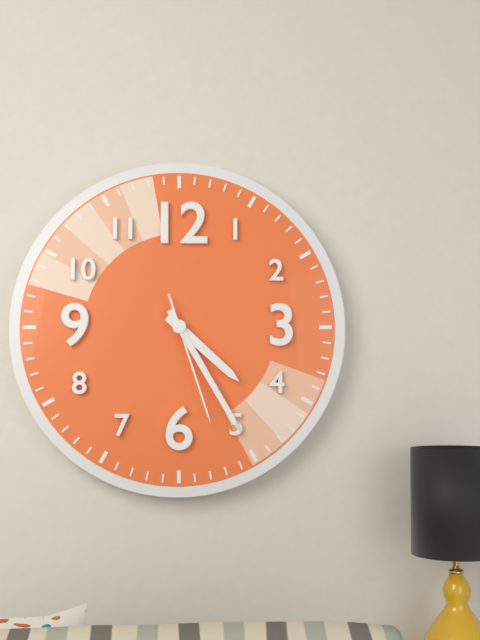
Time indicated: 4h25m27s
